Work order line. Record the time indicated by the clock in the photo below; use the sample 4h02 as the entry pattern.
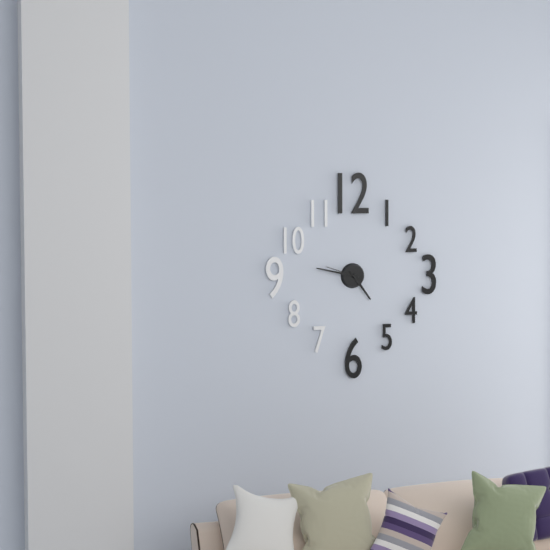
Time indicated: 4h47
